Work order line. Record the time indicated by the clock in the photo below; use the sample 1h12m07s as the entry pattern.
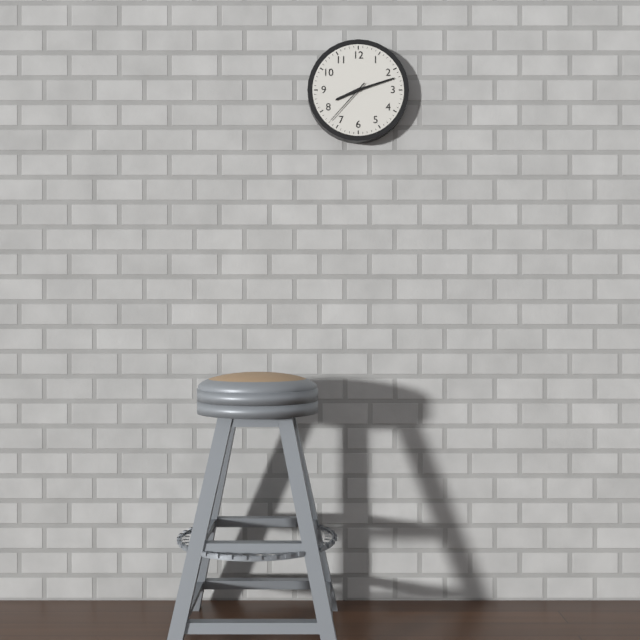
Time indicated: 8h12m37s
